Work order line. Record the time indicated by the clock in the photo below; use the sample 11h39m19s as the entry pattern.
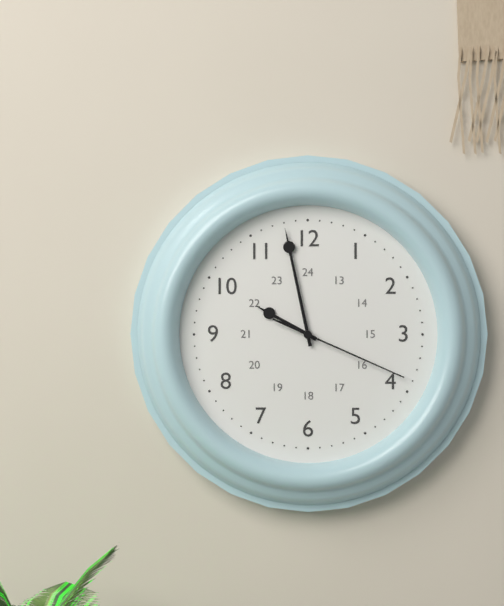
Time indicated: 9h58m19s
